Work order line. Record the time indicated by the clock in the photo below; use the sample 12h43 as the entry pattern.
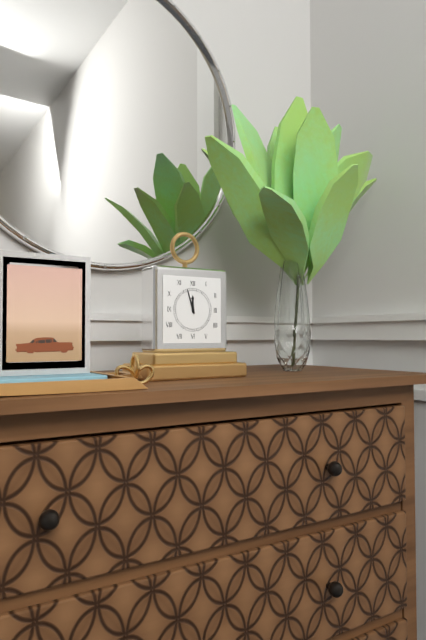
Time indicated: 11h57
